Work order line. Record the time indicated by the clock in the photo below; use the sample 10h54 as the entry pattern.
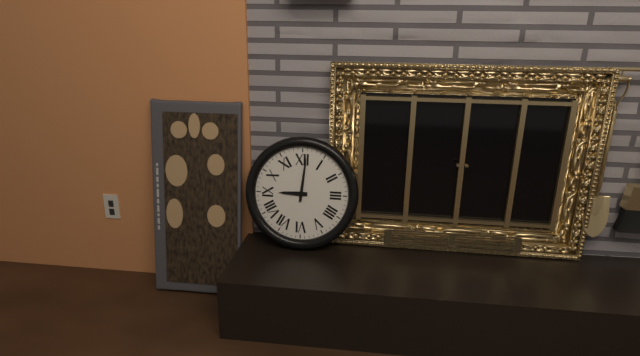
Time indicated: 9h01
